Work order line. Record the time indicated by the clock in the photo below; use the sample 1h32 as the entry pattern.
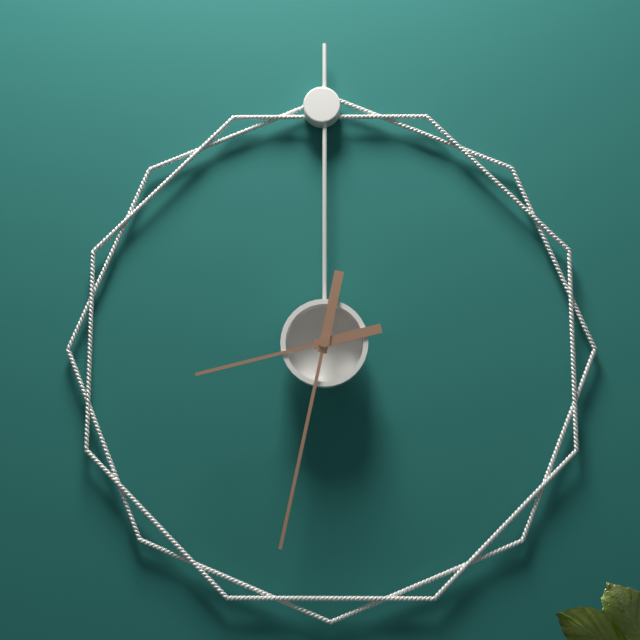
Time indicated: 8h32
